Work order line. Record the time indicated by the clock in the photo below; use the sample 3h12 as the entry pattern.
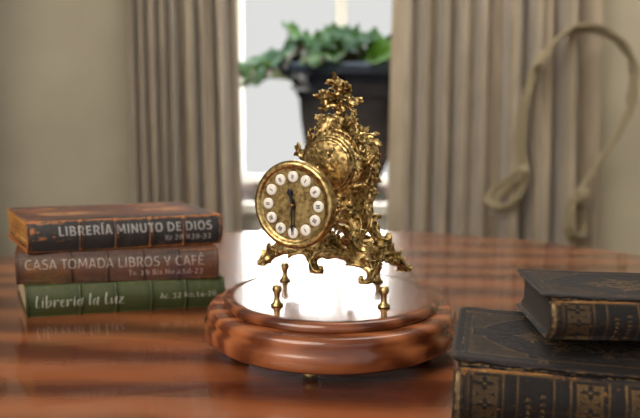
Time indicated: 11h30
